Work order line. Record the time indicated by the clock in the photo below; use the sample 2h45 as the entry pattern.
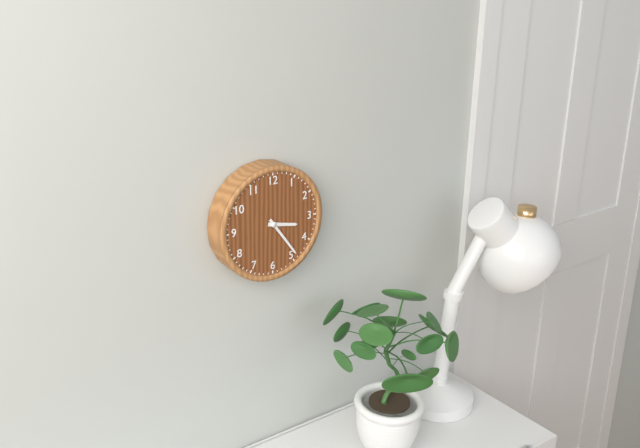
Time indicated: 3h24
